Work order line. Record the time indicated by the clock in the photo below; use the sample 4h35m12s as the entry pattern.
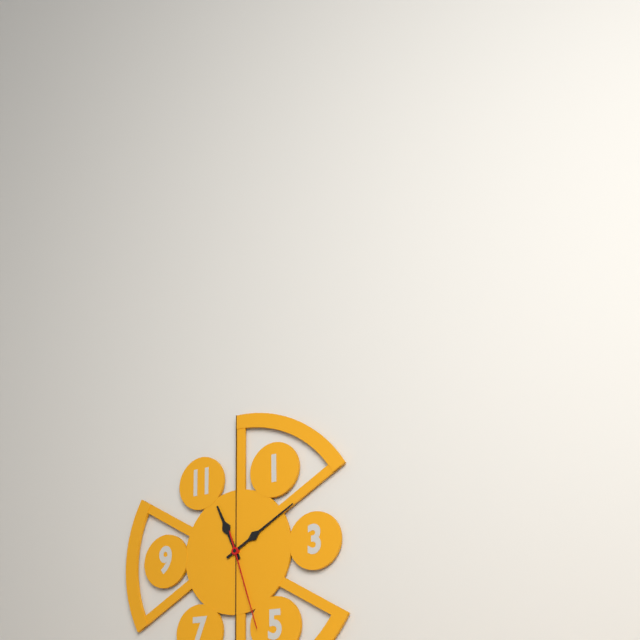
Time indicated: 11h10m27s
